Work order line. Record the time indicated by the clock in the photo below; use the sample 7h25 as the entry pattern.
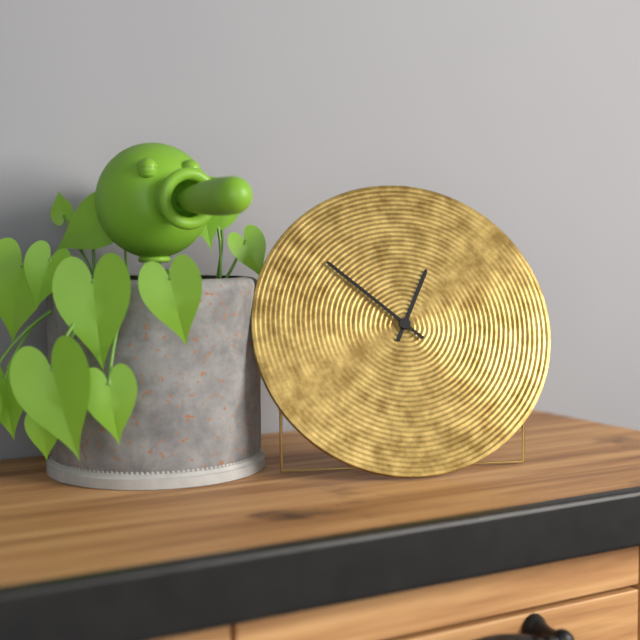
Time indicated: 12h52
